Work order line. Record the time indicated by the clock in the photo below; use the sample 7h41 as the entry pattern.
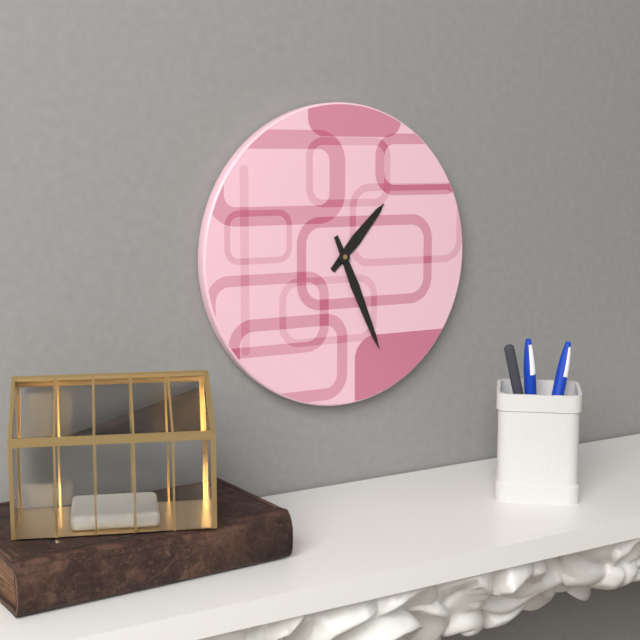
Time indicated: 1h26
